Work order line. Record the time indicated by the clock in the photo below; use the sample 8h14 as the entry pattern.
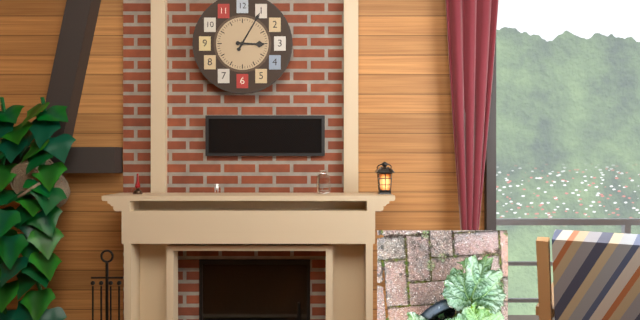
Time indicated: 3h05
